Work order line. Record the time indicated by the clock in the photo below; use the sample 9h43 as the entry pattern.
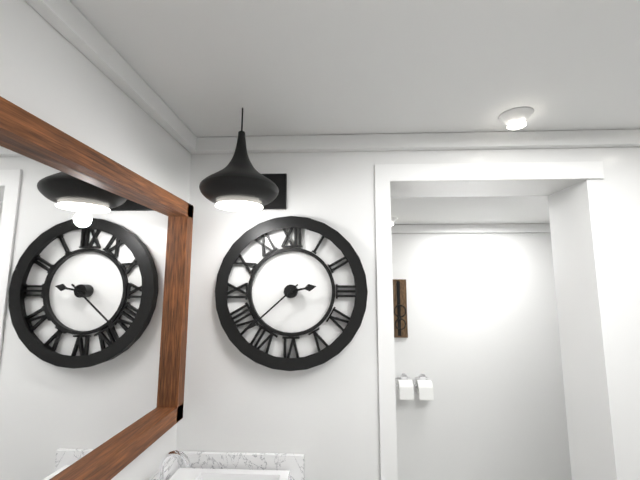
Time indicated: 2h38
